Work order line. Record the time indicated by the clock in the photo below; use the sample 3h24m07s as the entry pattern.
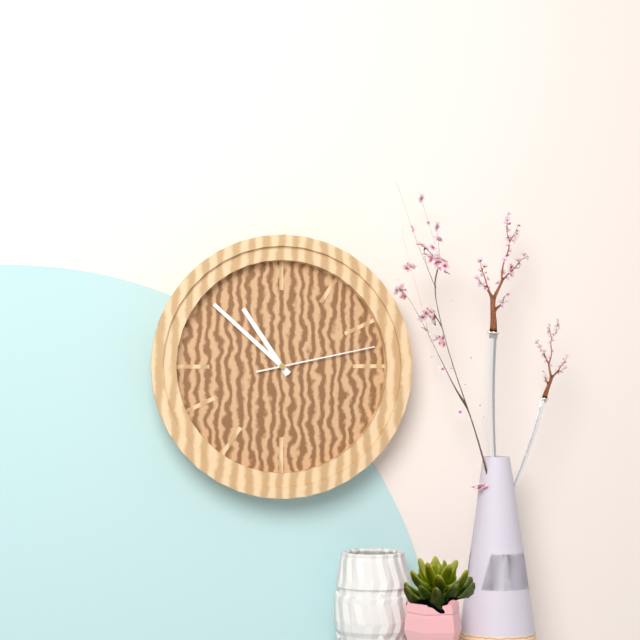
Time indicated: 10h52m13s
